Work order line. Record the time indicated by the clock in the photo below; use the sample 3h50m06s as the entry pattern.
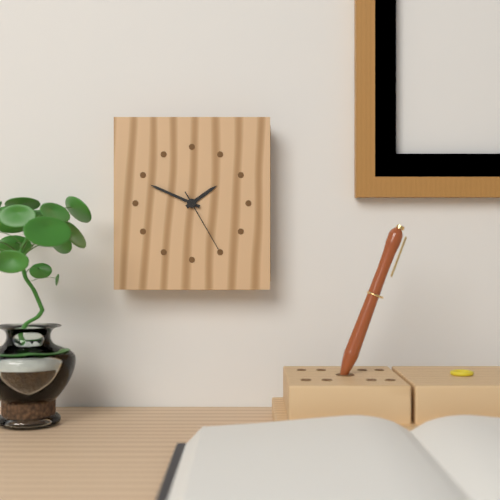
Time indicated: 1h49m25s
